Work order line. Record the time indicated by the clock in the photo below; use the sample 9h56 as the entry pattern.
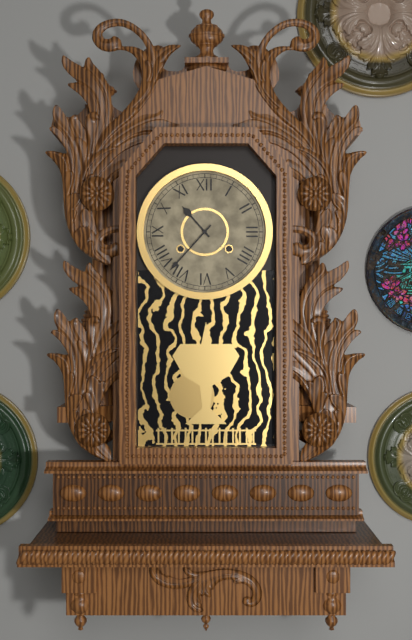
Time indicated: 10h37
